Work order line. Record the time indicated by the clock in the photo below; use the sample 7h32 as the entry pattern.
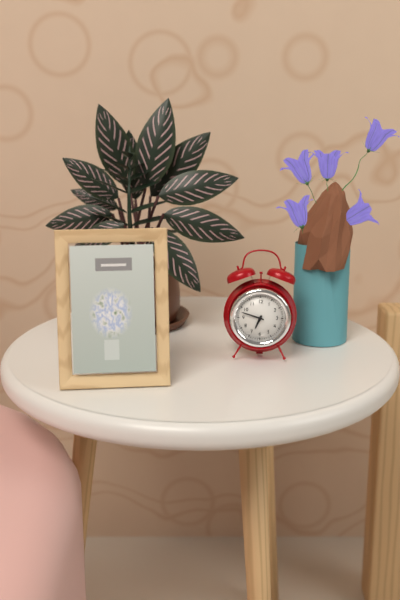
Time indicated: 6h48
